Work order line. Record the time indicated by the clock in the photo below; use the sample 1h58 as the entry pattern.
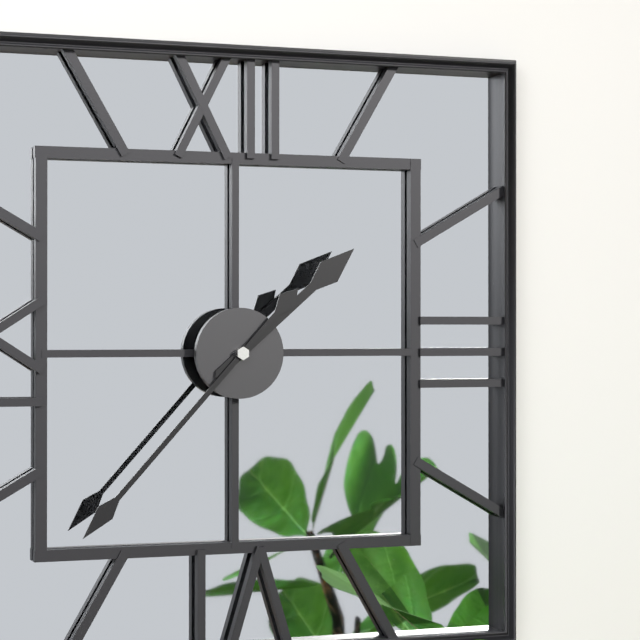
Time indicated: 1h37
